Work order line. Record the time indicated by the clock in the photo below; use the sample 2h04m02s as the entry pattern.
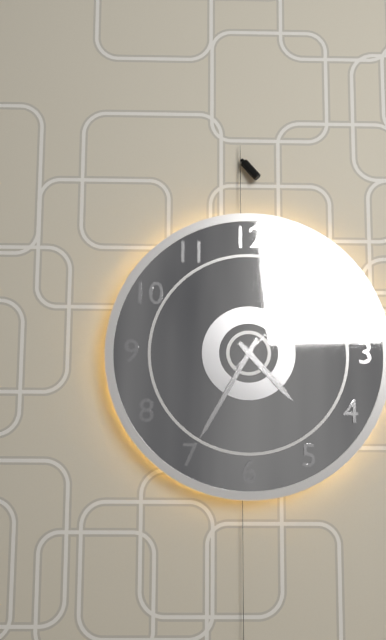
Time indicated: 4h35m07s
